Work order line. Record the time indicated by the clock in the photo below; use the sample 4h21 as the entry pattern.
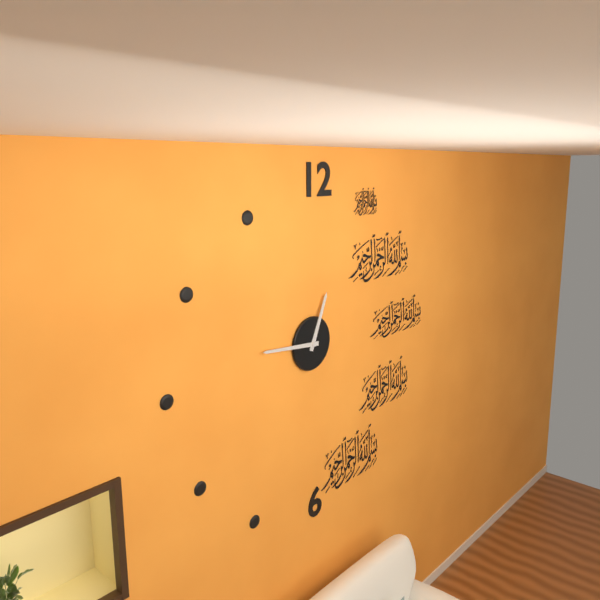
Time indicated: 12h46
